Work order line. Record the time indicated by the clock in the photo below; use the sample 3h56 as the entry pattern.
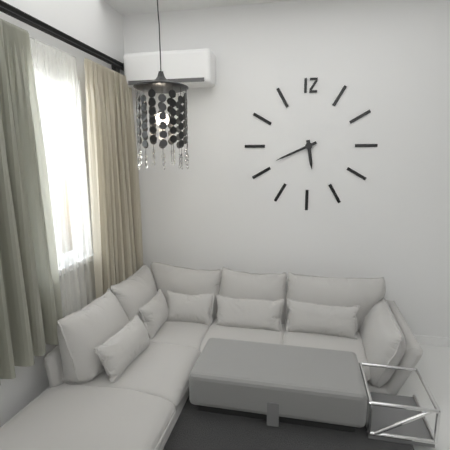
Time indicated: 5h41
